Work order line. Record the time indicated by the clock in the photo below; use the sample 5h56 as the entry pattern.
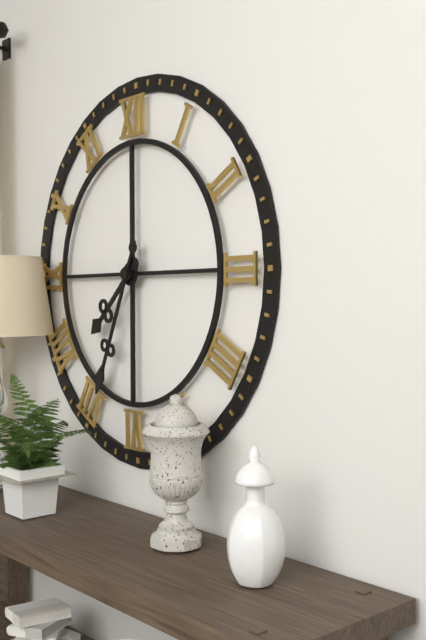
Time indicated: 7h34
